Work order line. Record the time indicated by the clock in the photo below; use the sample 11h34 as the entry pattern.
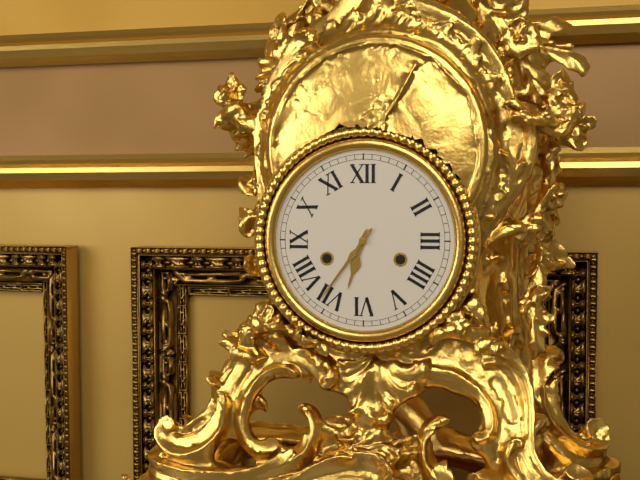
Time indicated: 6h36
